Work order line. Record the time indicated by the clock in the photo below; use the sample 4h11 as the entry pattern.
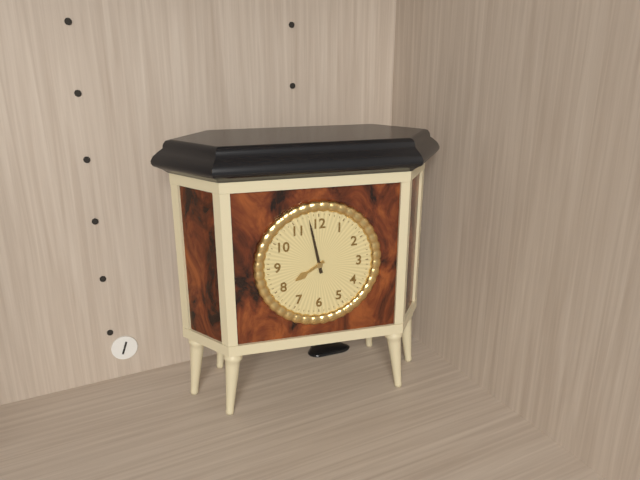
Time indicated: 7h58
